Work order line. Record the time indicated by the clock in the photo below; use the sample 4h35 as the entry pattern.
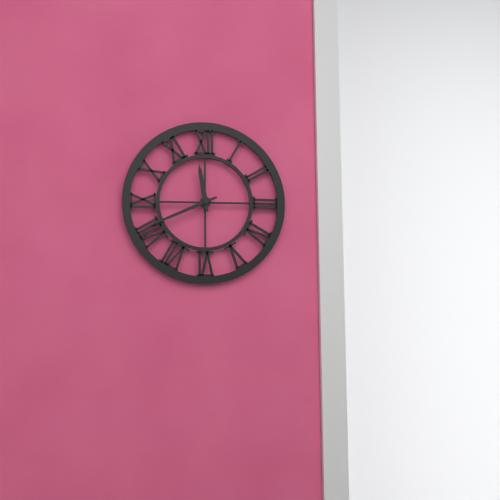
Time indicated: 11h41
